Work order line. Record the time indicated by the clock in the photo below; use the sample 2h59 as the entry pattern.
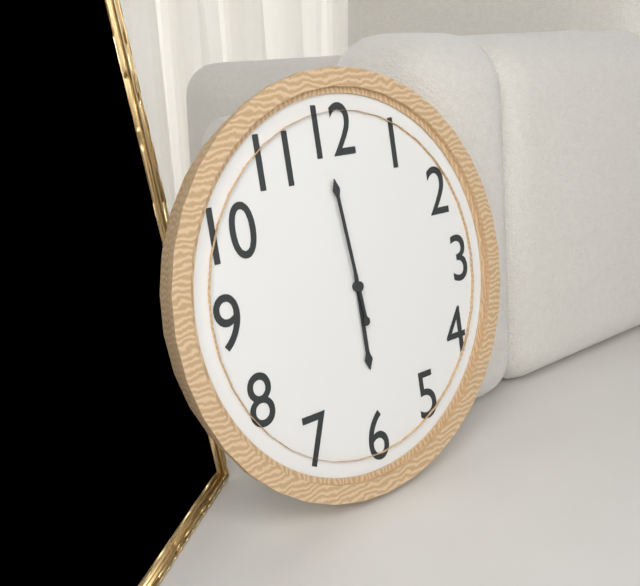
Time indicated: 5h59
